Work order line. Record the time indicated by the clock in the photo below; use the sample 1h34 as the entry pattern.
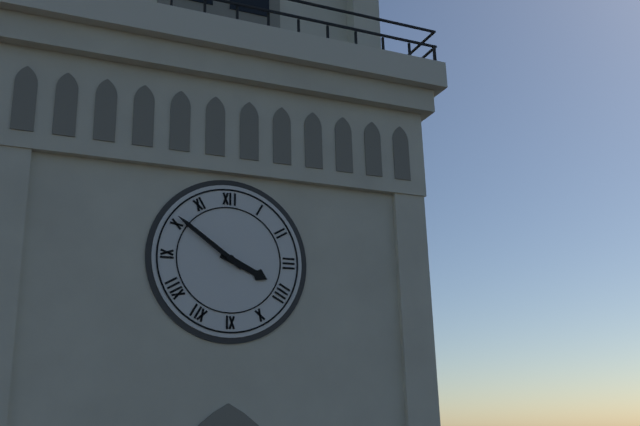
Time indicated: 3h51
